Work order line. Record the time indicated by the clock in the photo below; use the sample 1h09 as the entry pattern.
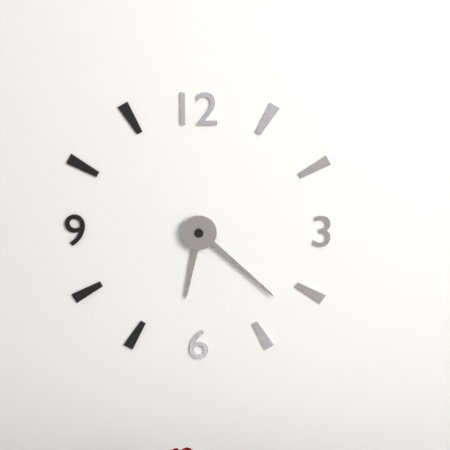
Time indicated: 6h22
